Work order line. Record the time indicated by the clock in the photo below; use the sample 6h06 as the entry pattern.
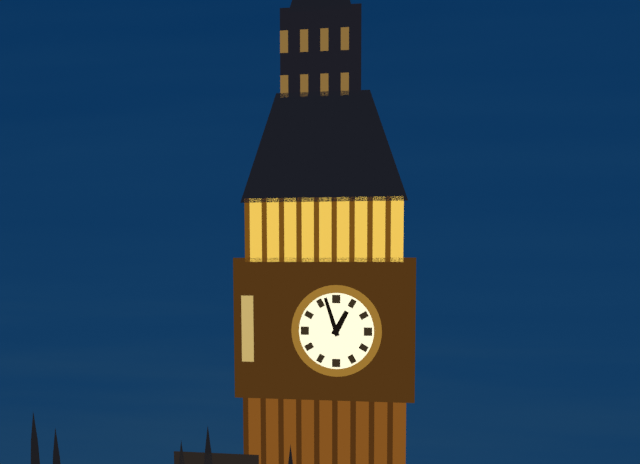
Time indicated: 12h57
